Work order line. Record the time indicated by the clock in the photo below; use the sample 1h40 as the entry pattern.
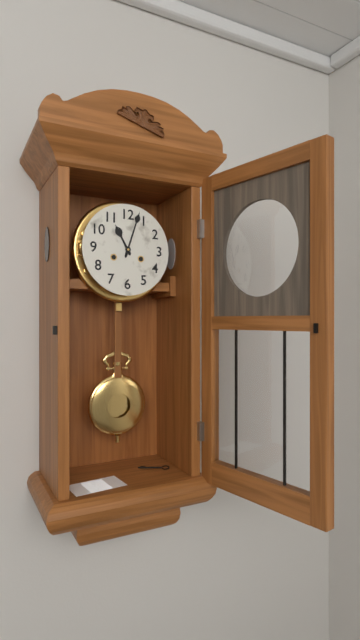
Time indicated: 11h03
